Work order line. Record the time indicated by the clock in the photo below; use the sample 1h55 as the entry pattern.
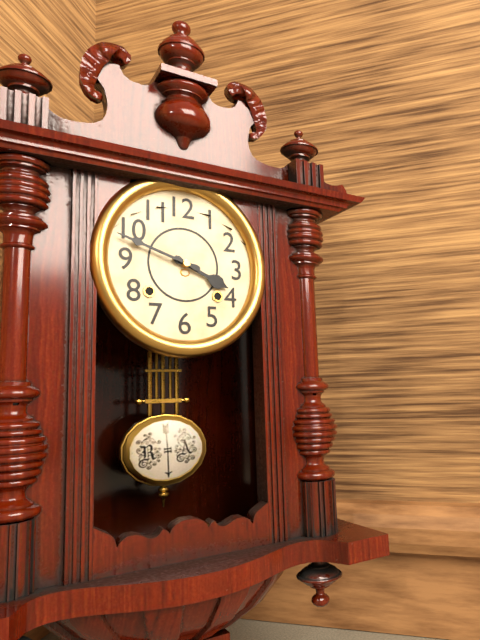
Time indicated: 3h48
